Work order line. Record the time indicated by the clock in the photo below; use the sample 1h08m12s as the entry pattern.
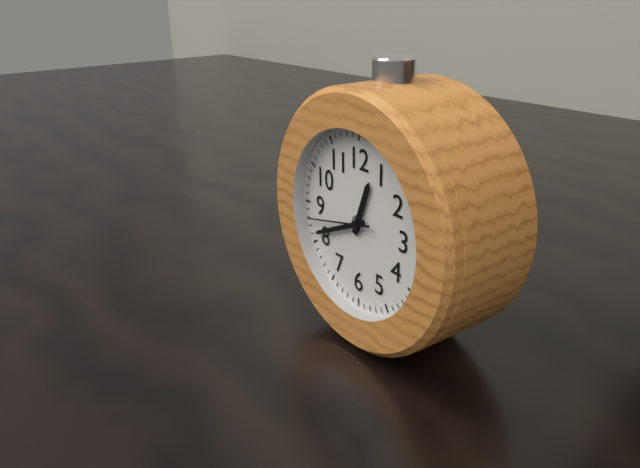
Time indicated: 12h41m43s
